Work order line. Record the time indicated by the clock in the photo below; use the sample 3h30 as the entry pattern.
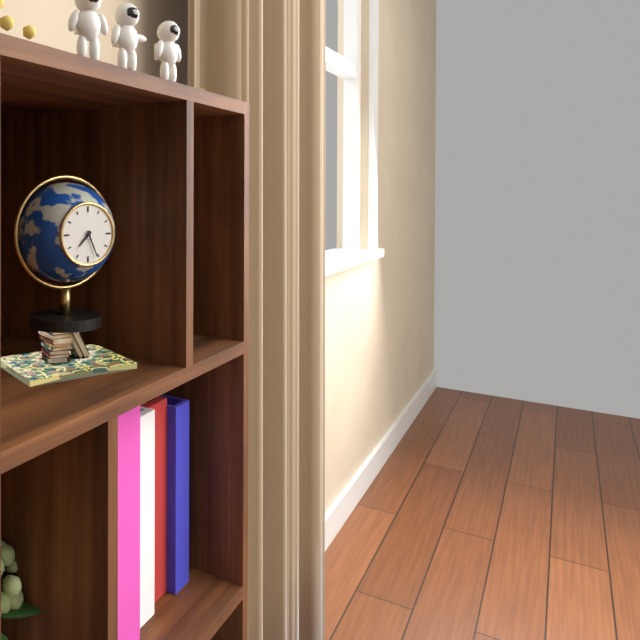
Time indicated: 7h26
